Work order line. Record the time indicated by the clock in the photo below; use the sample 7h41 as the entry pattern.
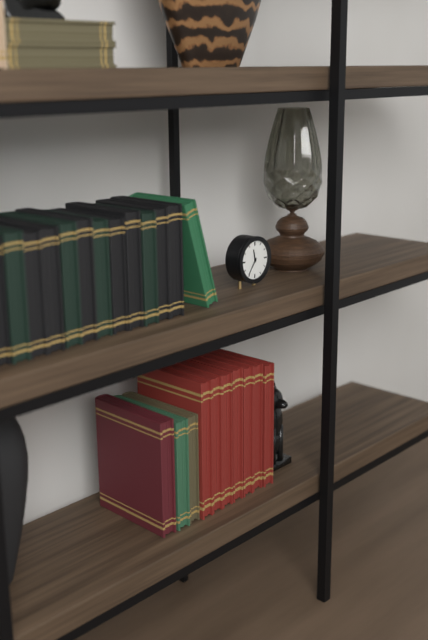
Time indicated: 11h36
